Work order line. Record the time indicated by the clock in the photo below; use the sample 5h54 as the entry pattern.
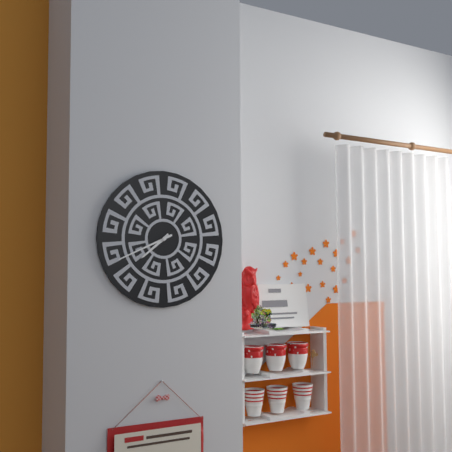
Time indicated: 7h41
